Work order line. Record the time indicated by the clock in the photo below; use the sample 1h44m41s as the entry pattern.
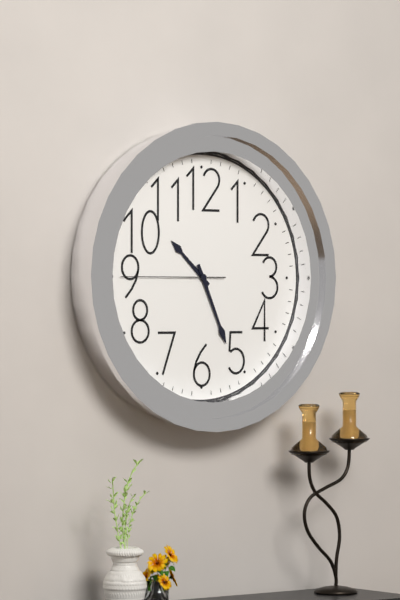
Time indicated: 10h26m45s
